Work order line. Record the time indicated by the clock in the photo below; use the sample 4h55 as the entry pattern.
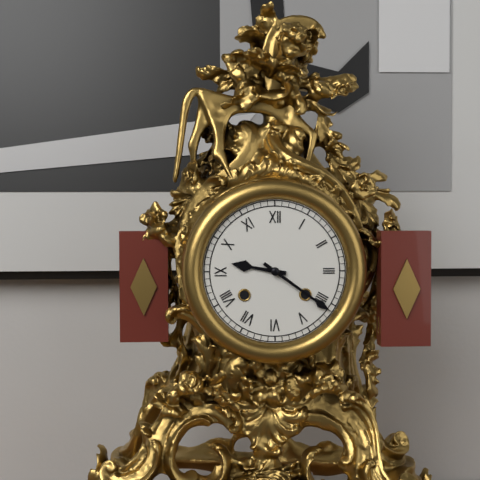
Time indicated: 9h21
